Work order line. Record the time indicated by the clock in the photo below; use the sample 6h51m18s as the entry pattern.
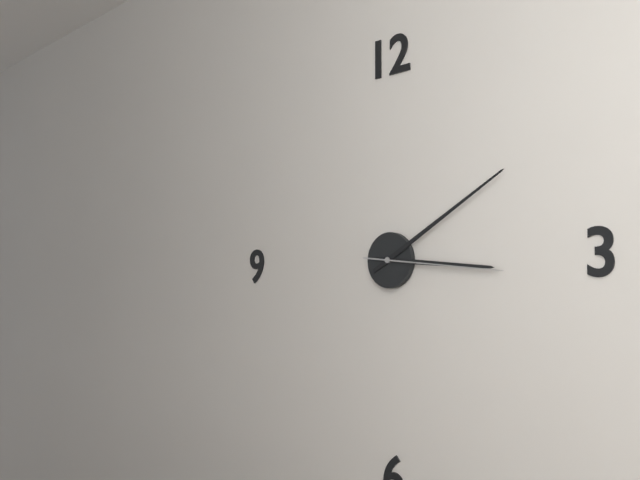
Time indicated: 3h10m16s
